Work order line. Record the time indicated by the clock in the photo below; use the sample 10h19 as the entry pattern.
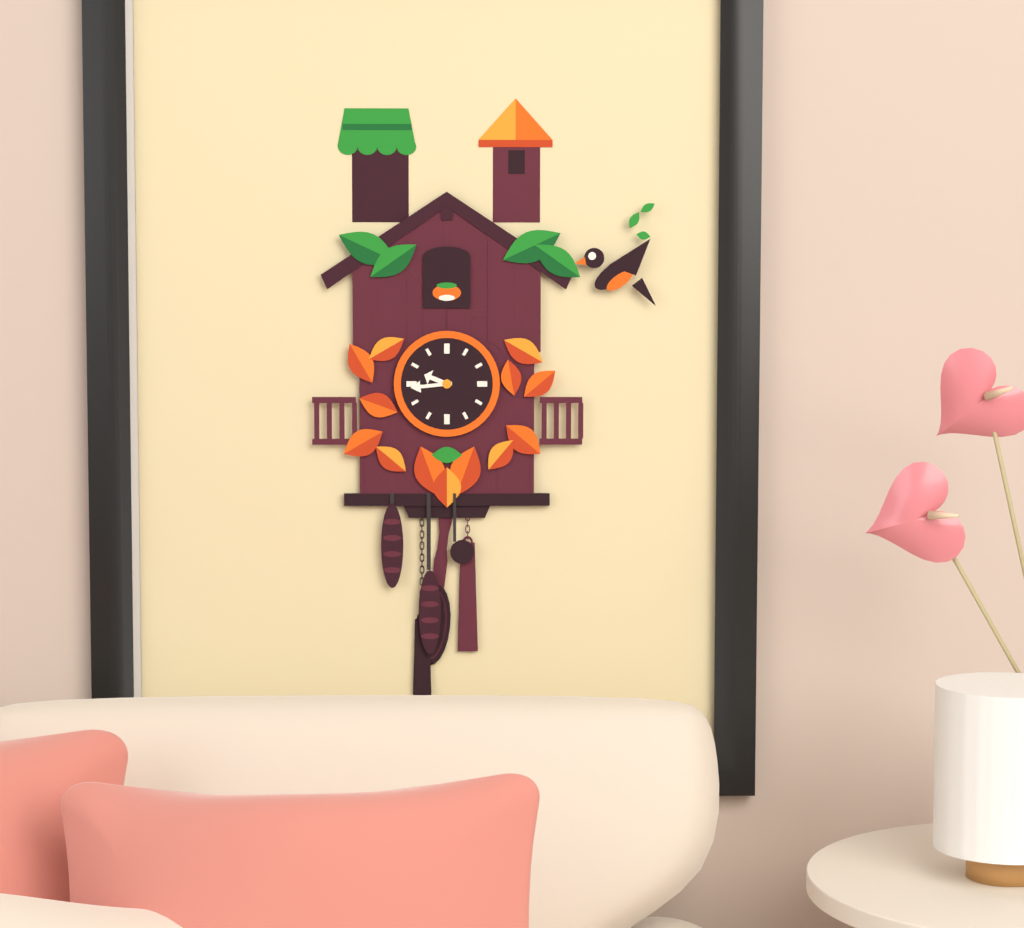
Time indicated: 9h44
